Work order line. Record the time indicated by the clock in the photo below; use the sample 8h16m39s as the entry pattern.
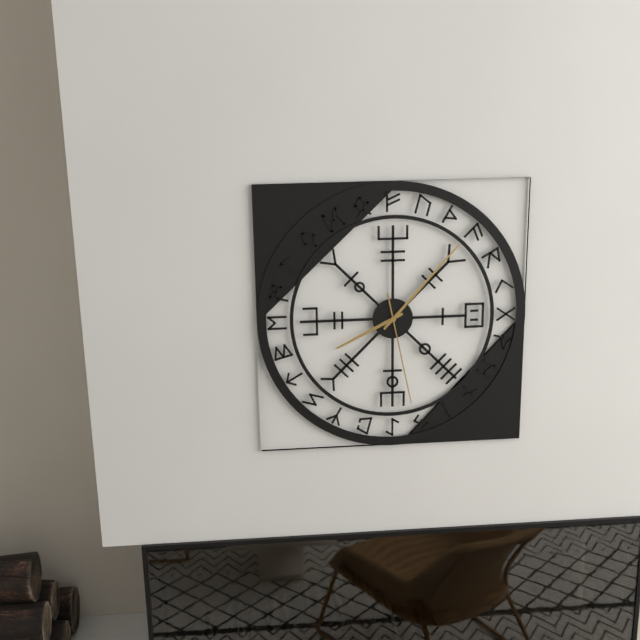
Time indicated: 8h07m28s
